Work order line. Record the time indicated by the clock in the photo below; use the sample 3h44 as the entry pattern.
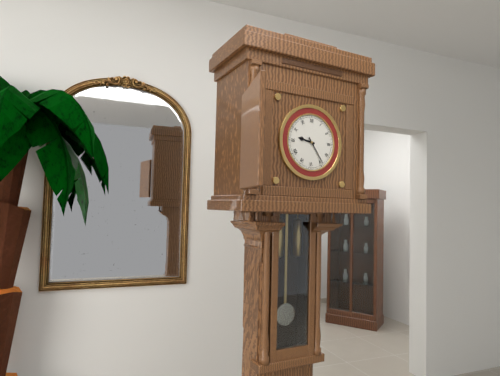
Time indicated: 9h24
